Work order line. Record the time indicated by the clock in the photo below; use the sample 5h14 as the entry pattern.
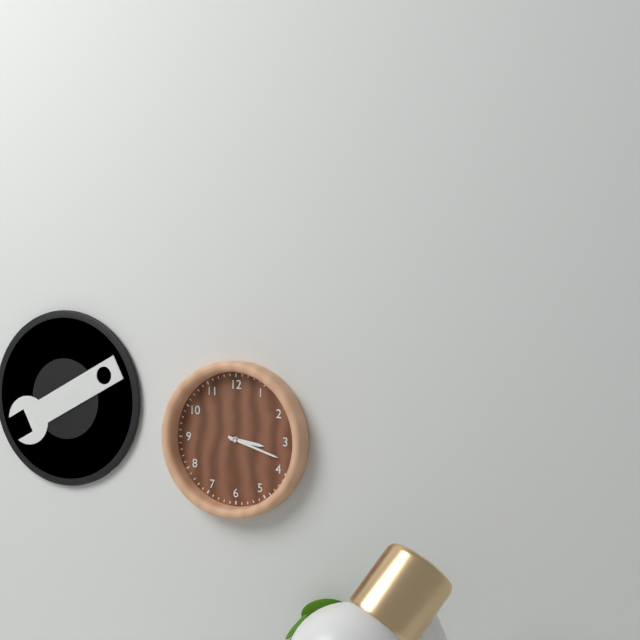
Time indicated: 3h18
